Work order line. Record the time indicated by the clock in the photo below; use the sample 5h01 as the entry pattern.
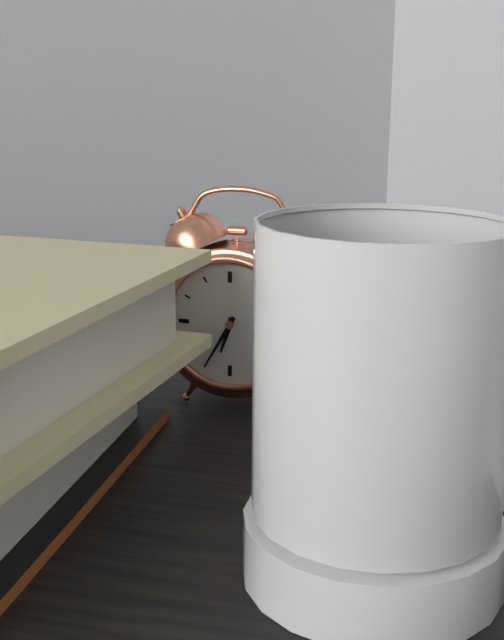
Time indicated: 6h35
